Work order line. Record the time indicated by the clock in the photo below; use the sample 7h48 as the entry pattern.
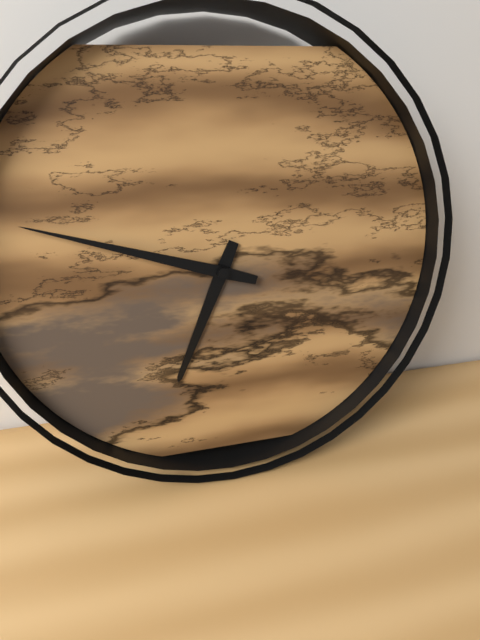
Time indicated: 6h48
